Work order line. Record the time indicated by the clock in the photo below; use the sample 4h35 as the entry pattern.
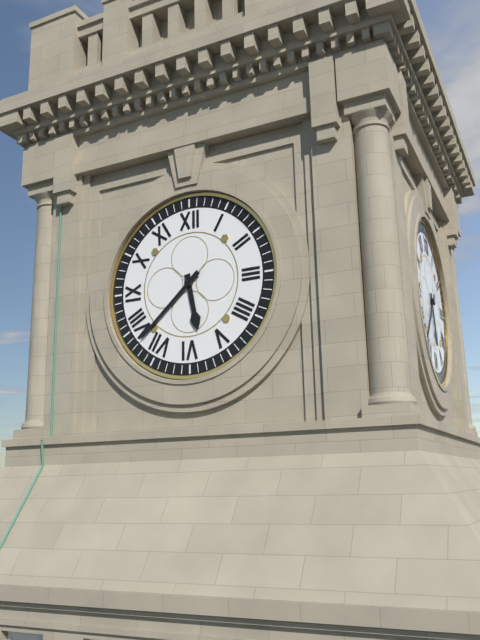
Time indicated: 5h38
